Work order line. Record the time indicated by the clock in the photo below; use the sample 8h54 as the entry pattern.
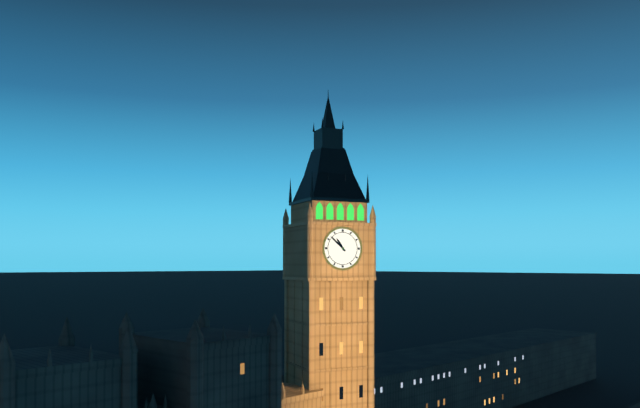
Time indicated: 10h52
